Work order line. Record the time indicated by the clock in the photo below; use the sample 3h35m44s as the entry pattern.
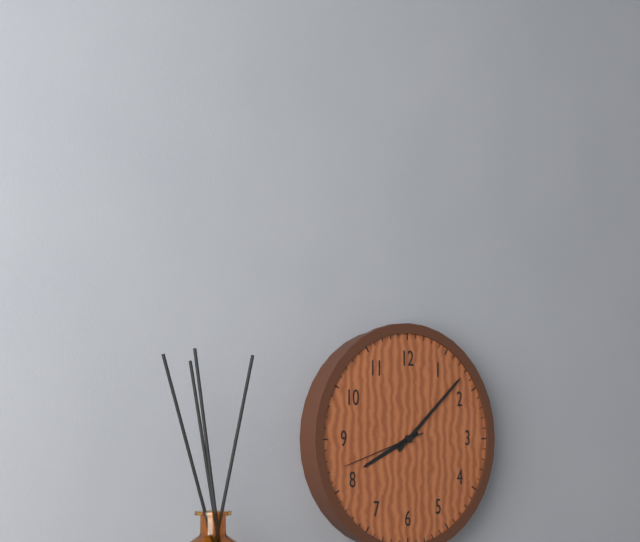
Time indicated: 8h08m42s
